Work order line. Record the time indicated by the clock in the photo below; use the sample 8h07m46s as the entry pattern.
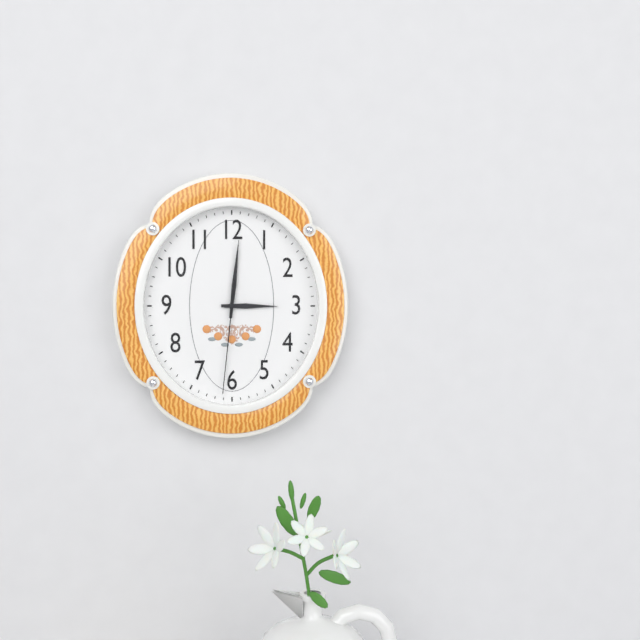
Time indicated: 3h01m31s
